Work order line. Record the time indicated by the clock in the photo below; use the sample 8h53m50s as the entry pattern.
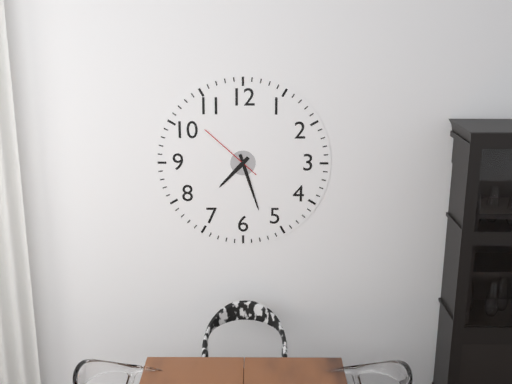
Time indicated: 7h27m52s
